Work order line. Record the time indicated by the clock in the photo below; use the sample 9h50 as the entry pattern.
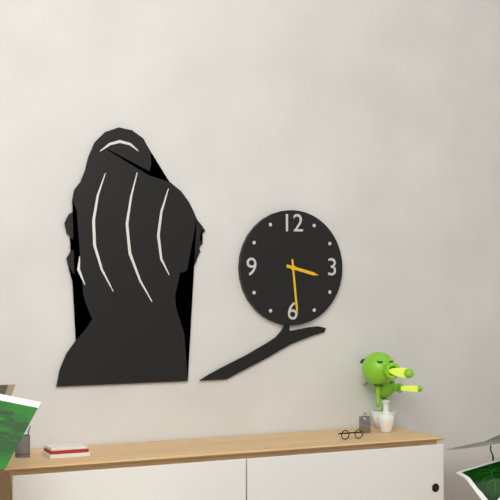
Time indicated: 3h29
